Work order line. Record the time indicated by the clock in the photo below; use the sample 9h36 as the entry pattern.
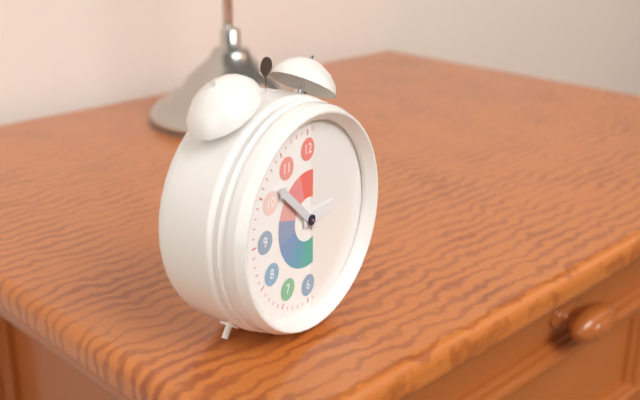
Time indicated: 2h52
